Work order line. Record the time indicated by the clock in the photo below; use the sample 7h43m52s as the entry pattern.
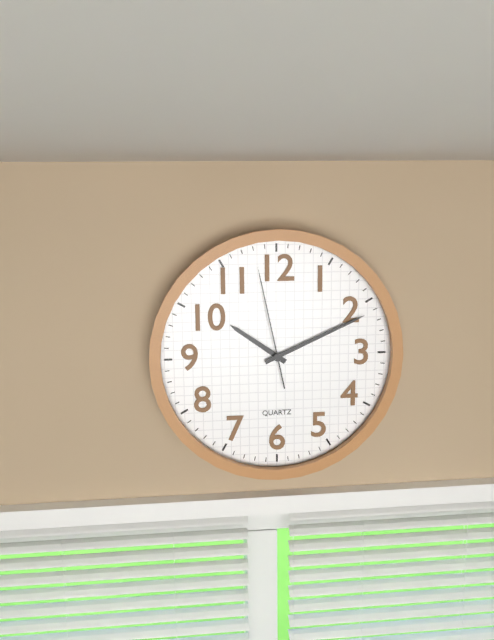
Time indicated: 10h11m58s
